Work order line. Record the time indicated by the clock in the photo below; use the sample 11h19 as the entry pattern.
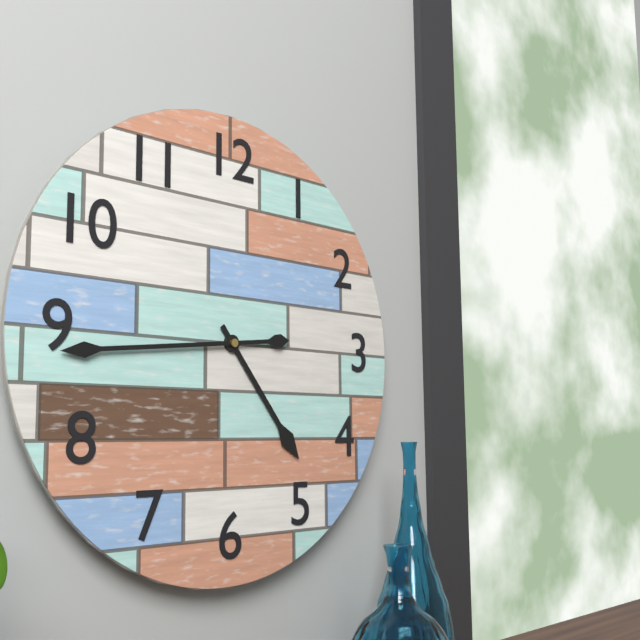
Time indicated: 4h44
